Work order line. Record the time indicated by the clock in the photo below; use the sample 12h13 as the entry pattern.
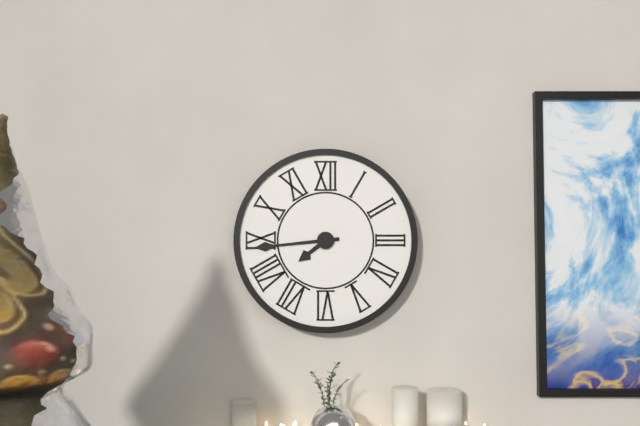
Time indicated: 7h44
